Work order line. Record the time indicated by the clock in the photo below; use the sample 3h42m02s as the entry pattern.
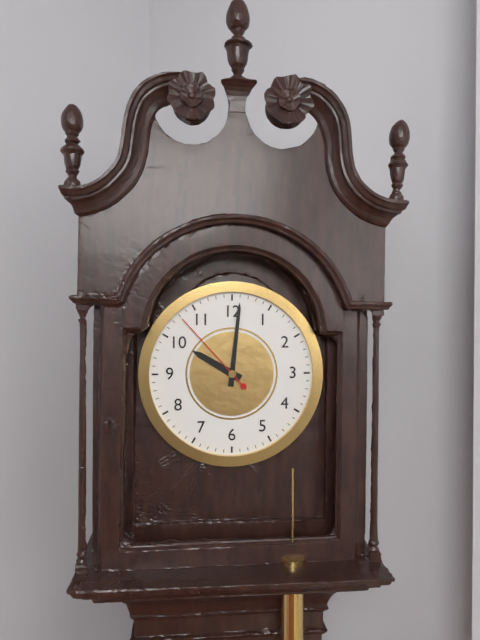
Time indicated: 10h01m53s
